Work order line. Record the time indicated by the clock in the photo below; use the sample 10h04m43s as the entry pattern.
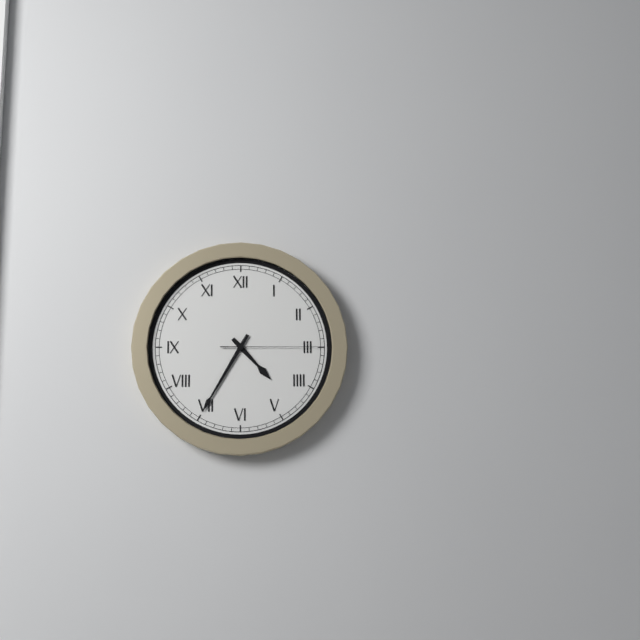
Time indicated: 4h35m15s
